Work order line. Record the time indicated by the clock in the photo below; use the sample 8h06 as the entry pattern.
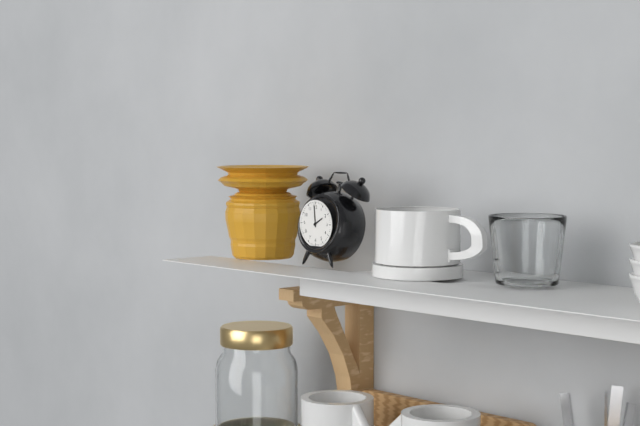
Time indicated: 1h59
